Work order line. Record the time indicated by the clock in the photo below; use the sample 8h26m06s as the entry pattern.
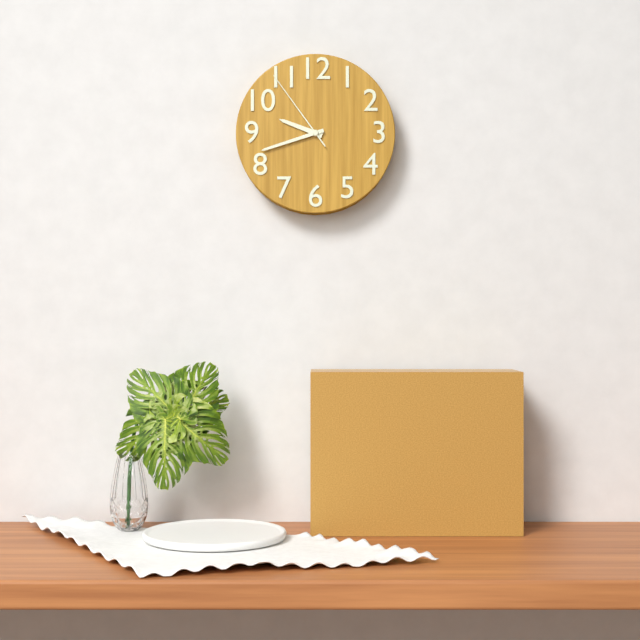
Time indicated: 9h42m54s
